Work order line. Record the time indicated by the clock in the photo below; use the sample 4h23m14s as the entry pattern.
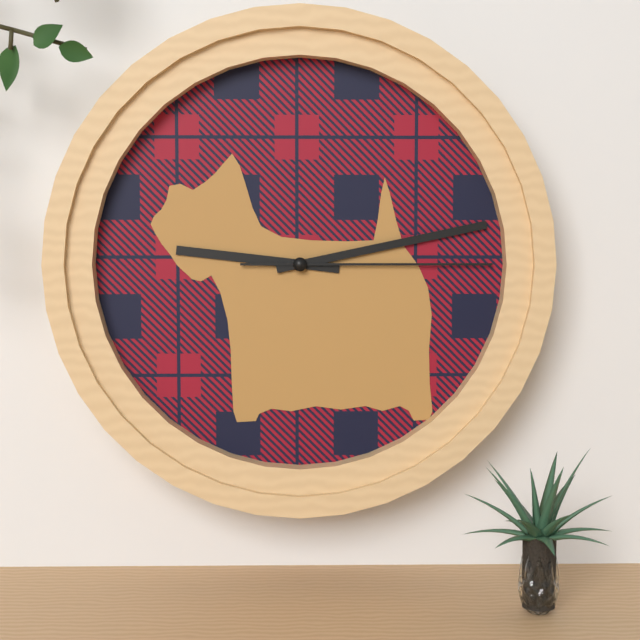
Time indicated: 9h13m15s
